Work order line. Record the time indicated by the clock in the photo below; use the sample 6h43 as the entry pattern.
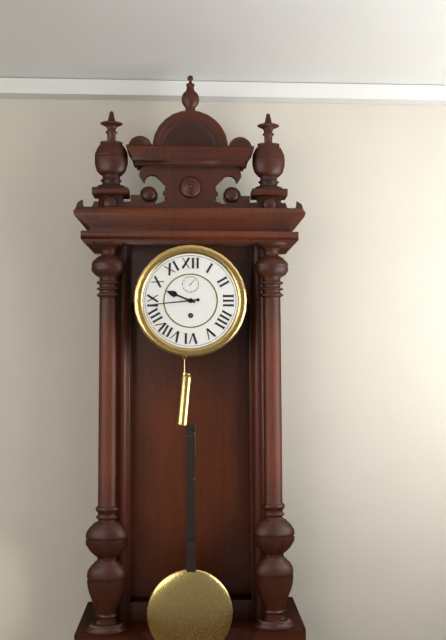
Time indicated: 9h44
